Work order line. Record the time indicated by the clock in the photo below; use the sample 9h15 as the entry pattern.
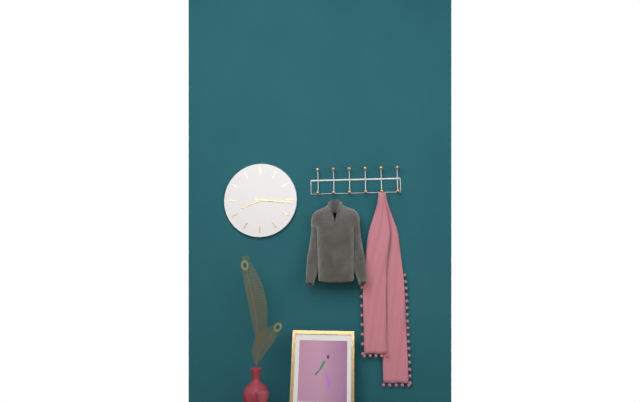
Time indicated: 8h16
